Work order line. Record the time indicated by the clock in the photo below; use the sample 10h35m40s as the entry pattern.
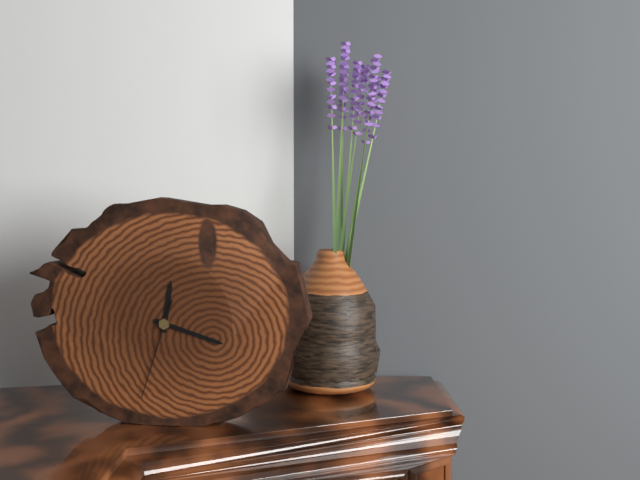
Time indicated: 12h18m33s
